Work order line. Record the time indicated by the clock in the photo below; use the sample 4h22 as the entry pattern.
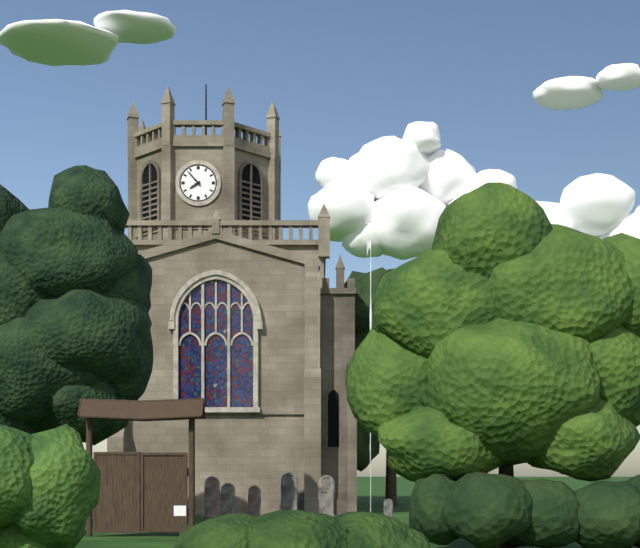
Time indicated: 7h53
